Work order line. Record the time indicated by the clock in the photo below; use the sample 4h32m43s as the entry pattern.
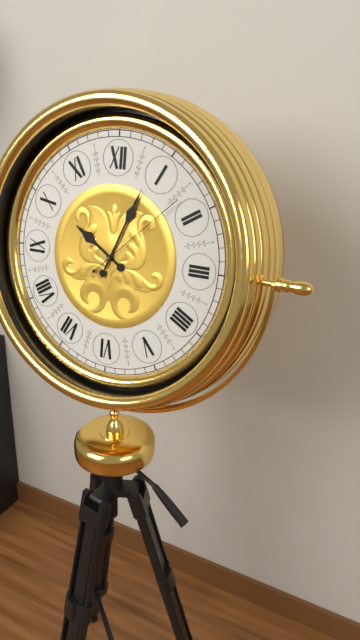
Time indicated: 10h04m08s
